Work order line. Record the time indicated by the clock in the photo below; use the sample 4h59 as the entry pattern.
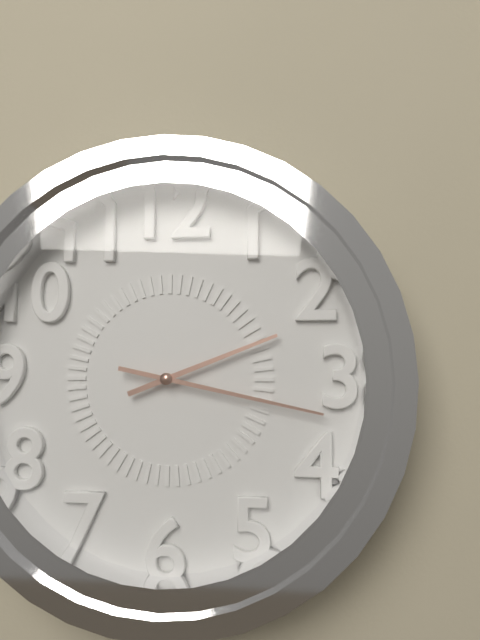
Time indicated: 2h17
